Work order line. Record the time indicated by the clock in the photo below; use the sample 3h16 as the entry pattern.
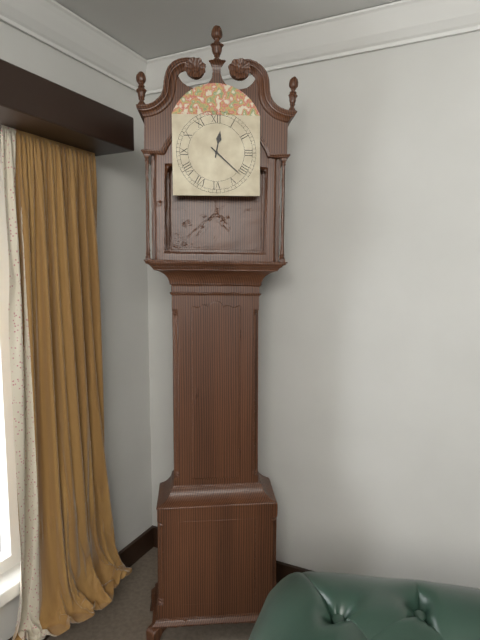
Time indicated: 12h22
